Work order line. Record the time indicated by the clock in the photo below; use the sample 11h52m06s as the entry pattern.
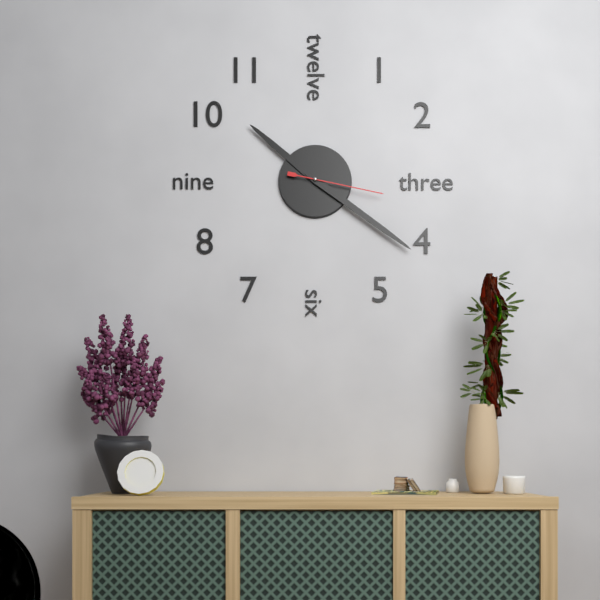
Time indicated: 10h21m17s
